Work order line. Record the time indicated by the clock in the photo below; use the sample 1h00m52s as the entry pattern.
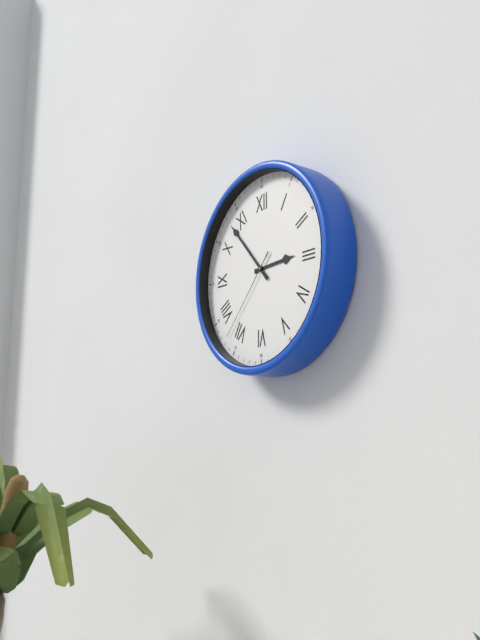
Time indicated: 2h53m37s
